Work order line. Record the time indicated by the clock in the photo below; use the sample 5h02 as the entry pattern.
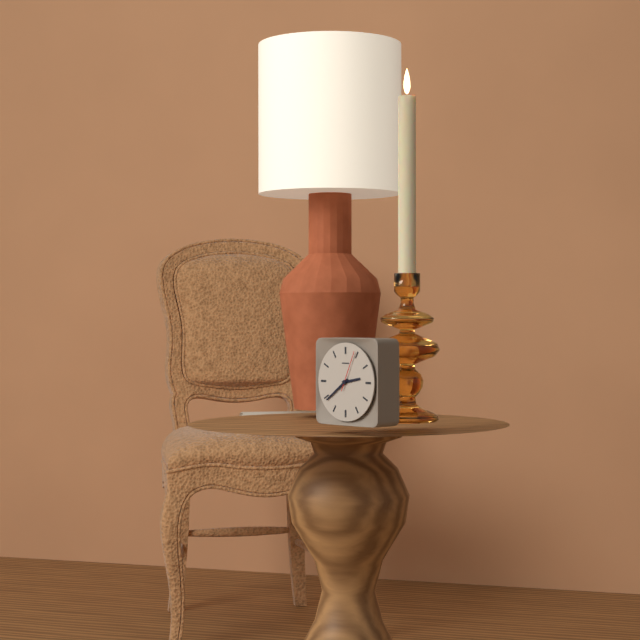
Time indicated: 2h39
